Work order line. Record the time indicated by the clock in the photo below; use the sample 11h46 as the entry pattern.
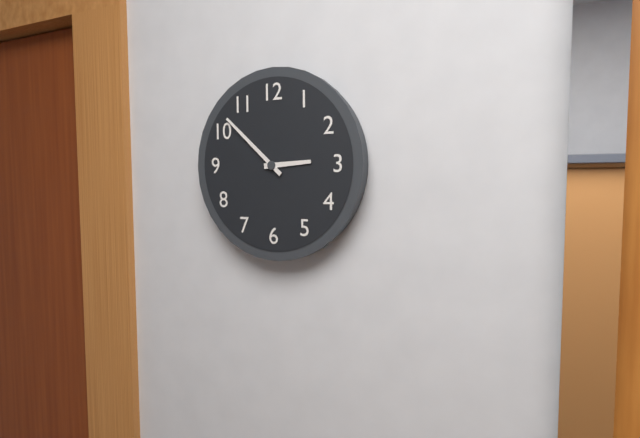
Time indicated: 2h52
